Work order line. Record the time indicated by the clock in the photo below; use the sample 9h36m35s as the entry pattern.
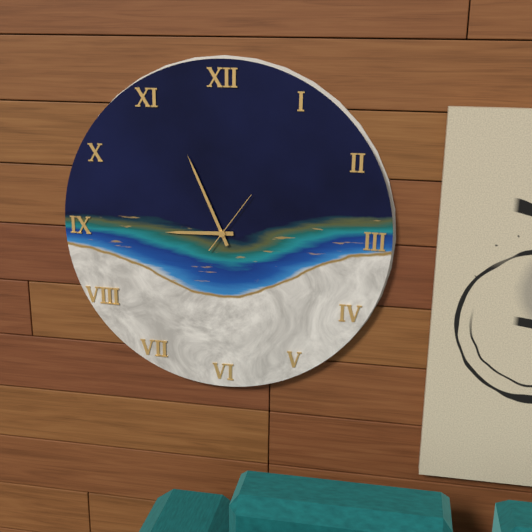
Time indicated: 8h56m06s
